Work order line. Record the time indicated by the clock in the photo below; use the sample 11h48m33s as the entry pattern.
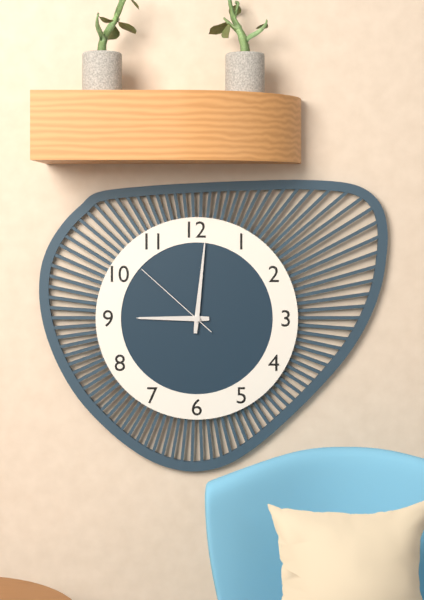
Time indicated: 9h01m52s
